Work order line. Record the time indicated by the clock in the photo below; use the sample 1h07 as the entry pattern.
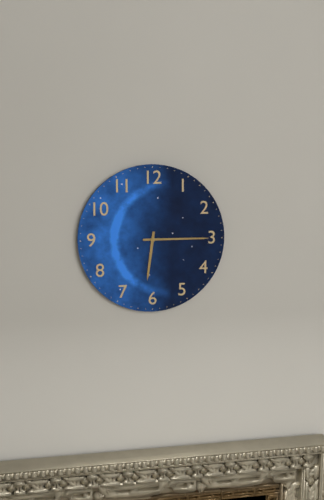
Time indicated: 6h15
